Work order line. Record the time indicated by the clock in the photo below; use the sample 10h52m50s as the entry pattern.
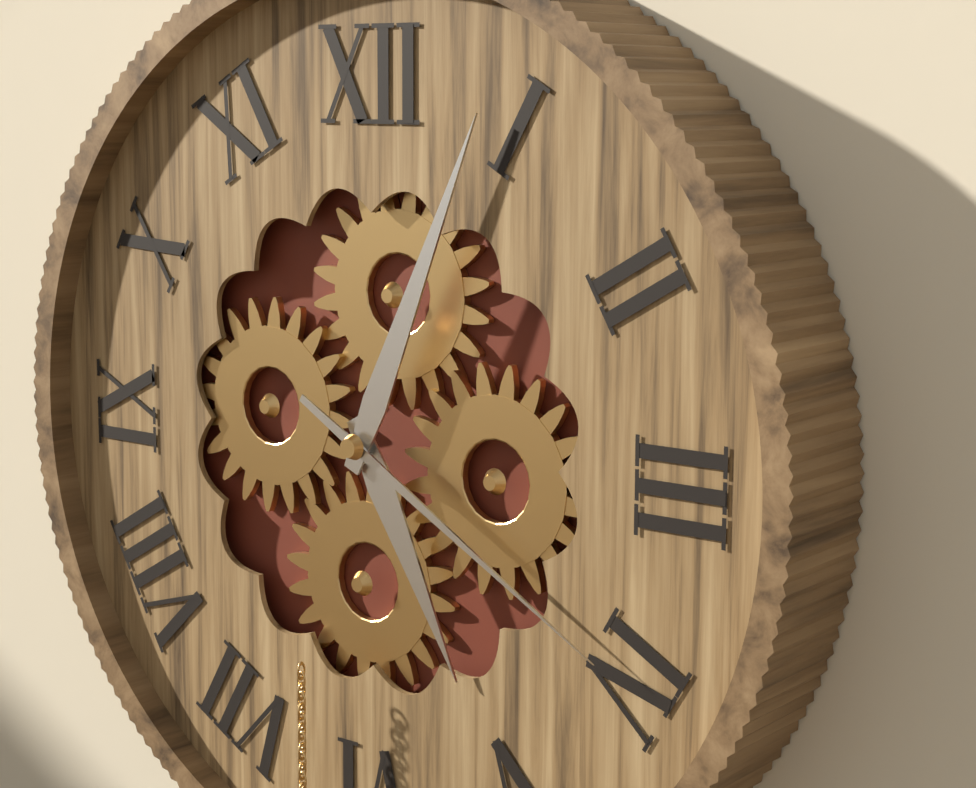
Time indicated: 5h04m20s
